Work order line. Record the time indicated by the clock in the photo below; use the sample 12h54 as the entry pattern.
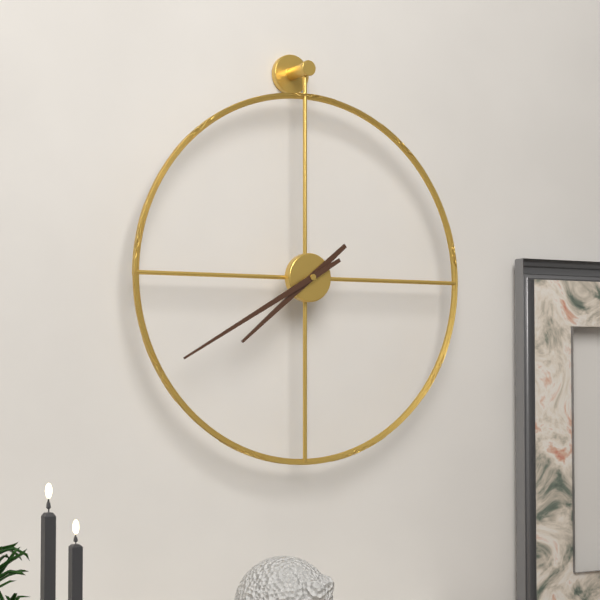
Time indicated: 7h40
